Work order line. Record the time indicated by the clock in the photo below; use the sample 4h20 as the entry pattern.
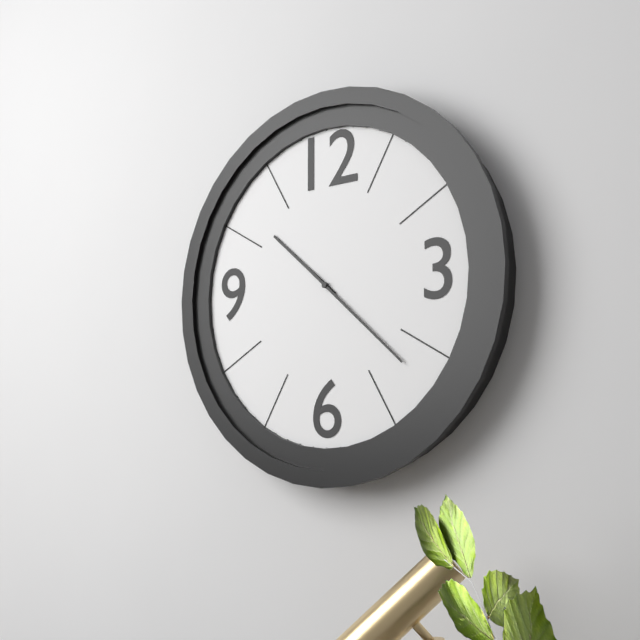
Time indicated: 10h22
